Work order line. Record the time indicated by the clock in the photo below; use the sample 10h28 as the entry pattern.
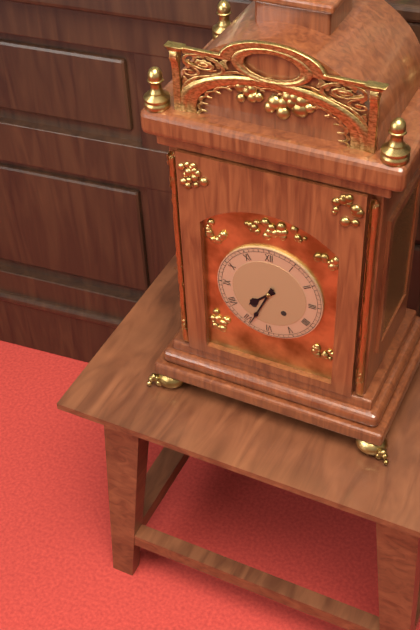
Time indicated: 7h34
